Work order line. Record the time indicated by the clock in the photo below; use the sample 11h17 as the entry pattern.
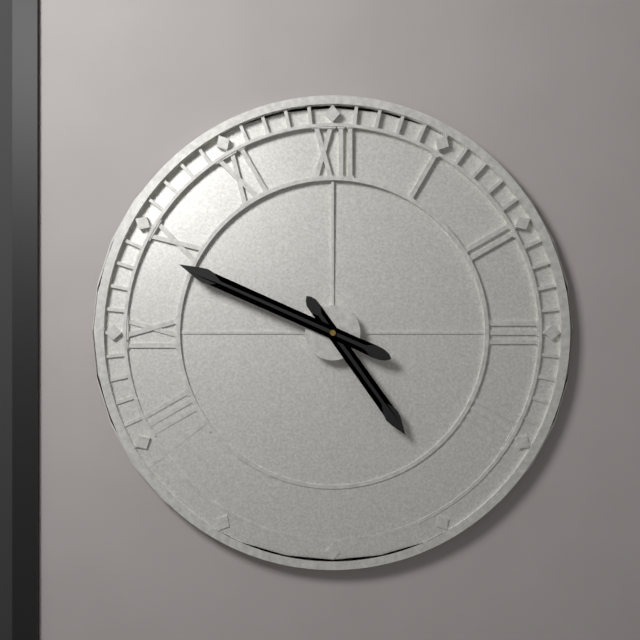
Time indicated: 4h49
